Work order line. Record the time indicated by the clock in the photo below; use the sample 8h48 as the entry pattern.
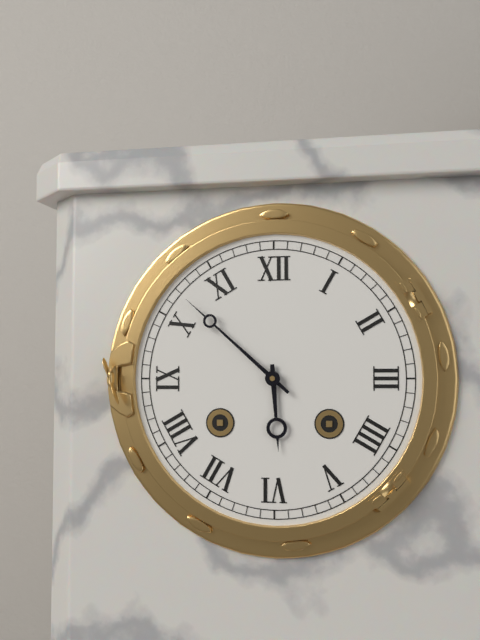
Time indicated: 5h52
